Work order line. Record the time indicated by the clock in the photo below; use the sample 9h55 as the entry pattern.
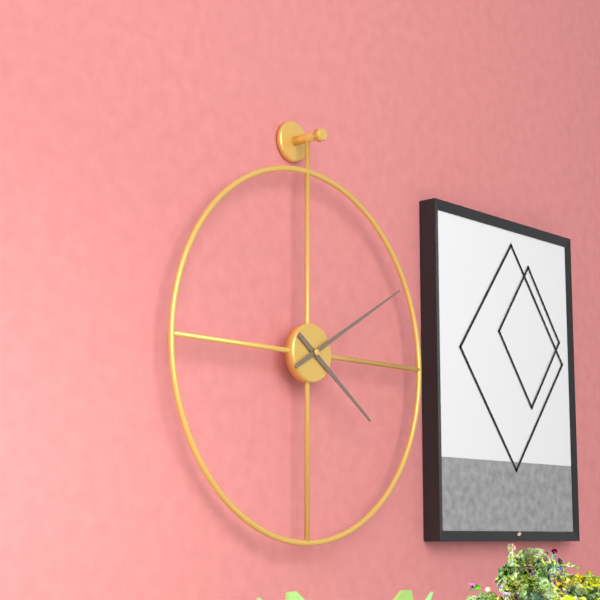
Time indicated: 4h10
